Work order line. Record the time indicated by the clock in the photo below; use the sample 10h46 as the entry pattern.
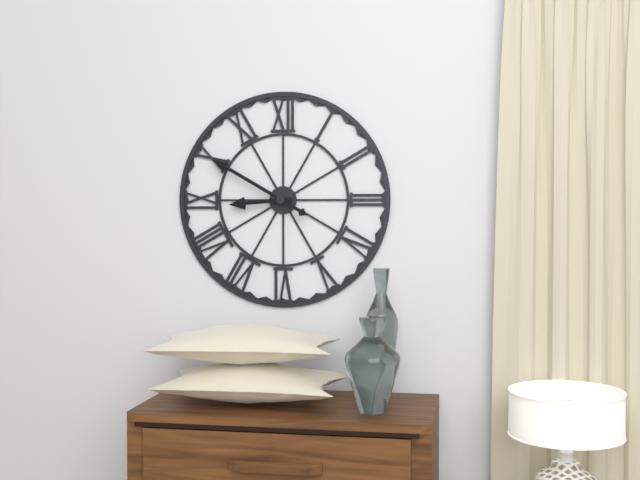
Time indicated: 8h50
